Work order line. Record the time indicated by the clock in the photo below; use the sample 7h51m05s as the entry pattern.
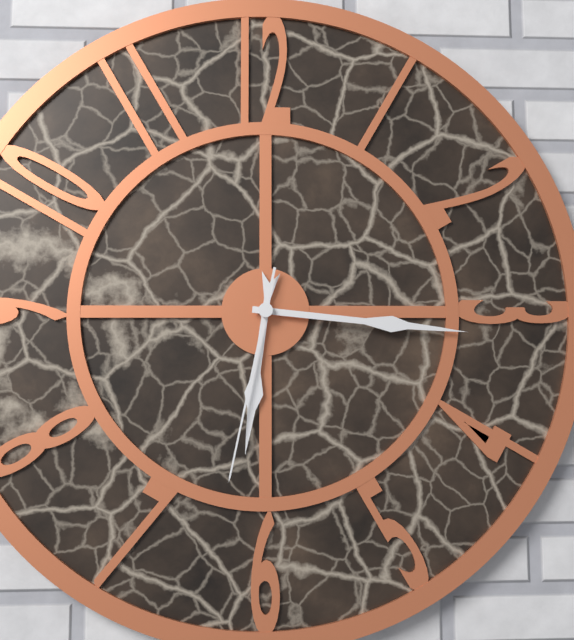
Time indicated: 6h16m32s
